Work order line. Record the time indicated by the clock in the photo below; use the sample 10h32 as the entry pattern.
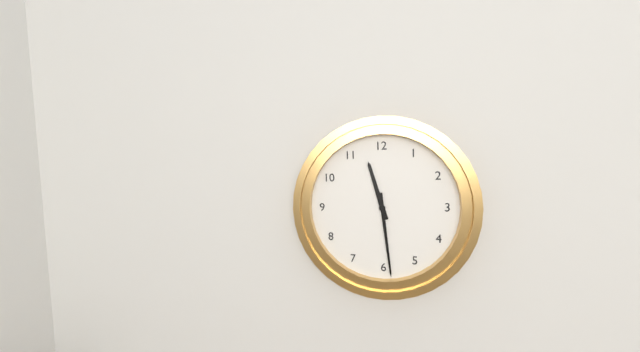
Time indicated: 11h29
